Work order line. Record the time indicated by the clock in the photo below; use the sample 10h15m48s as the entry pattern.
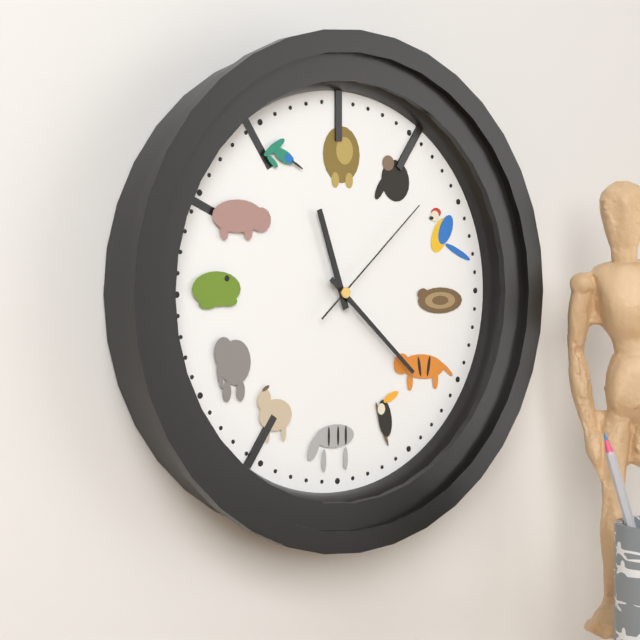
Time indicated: 11h22m08s
